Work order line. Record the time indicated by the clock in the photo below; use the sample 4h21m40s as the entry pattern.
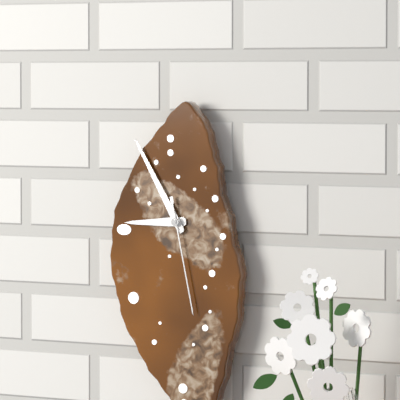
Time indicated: 8h55m28s
